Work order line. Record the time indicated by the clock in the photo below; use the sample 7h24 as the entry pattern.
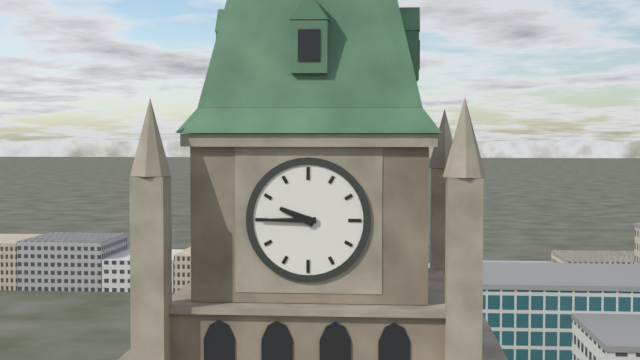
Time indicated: 9h45
